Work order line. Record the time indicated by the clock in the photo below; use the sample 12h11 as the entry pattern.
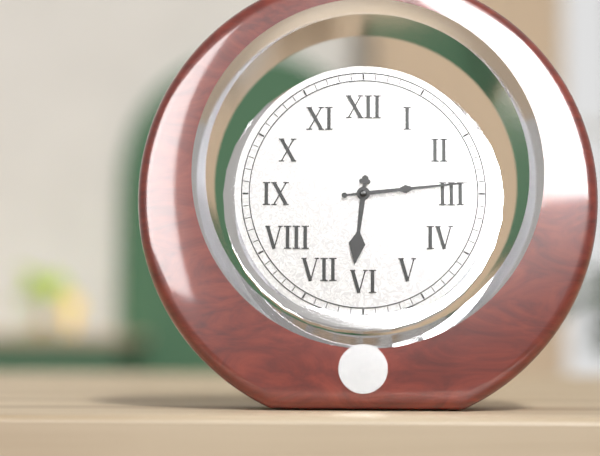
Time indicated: 6h14
